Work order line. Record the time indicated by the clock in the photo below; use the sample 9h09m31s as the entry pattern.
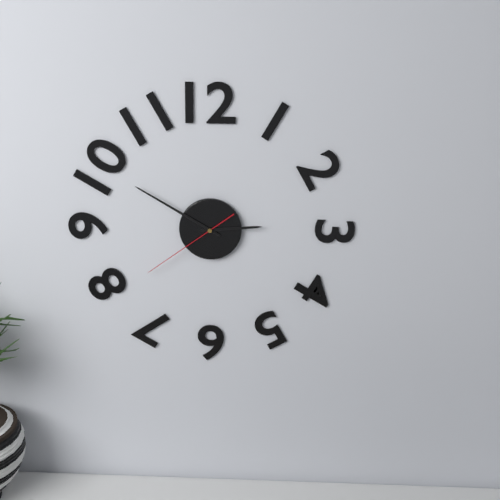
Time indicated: 2h50m39s
